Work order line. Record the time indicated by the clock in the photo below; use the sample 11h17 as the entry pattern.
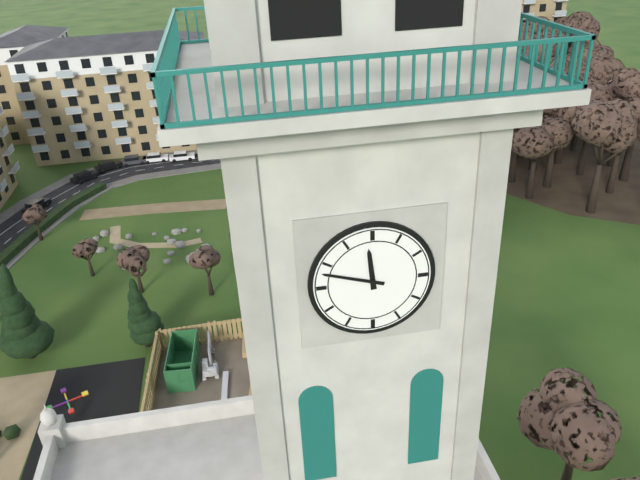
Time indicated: 11h48
